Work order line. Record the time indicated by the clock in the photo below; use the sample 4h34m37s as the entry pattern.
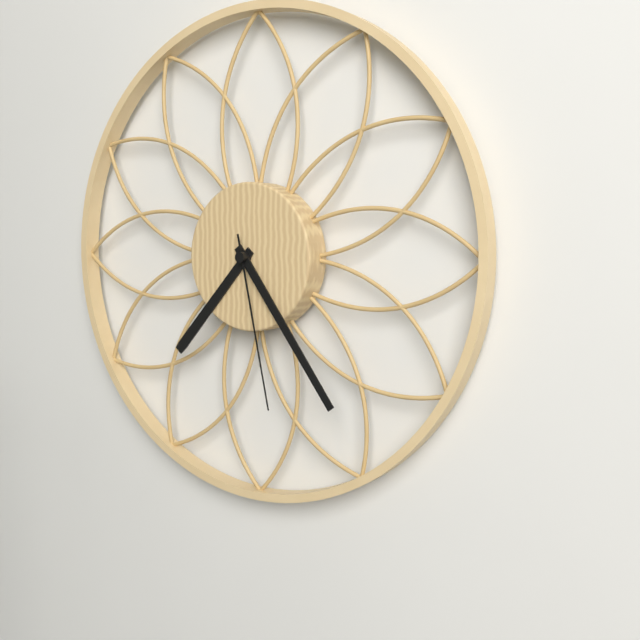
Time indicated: 7h24m28s
